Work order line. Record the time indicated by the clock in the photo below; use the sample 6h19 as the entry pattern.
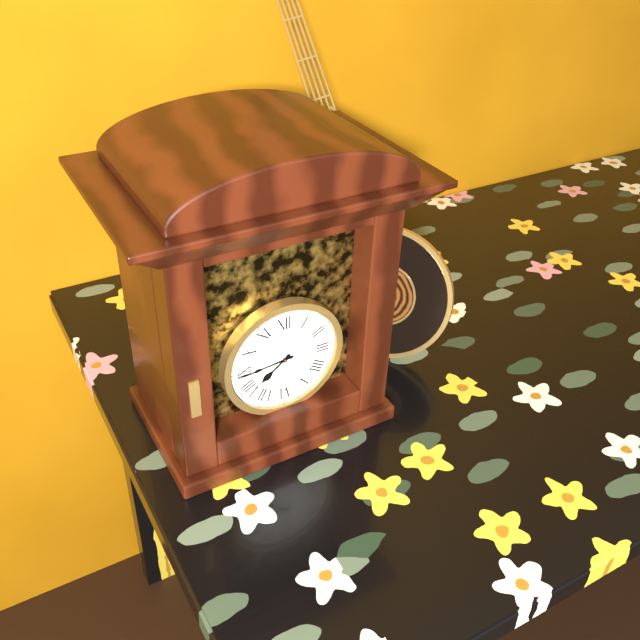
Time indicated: 7h44
